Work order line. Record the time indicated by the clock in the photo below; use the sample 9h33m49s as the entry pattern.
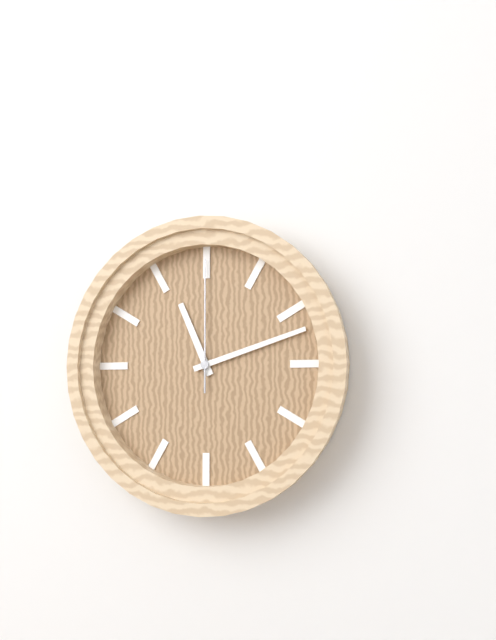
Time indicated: 11h12m00s
